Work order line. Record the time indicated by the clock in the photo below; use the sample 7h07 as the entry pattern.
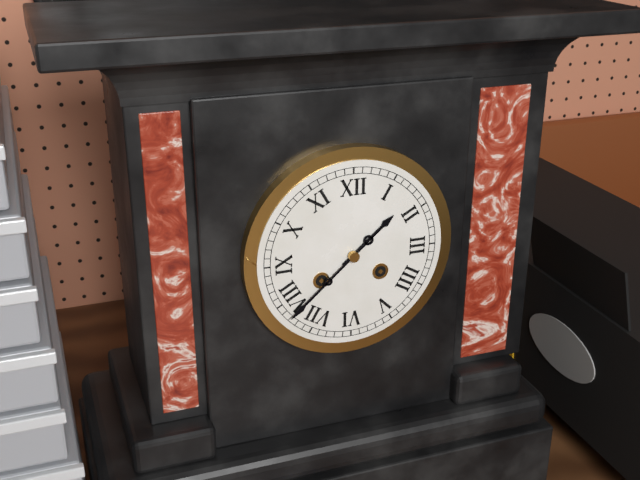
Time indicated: 1h38
